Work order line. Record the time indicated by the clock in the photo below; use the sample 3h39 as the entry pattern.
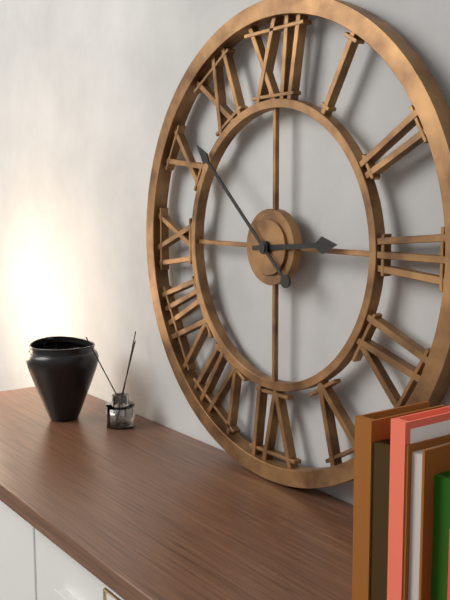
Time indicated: 2h52
